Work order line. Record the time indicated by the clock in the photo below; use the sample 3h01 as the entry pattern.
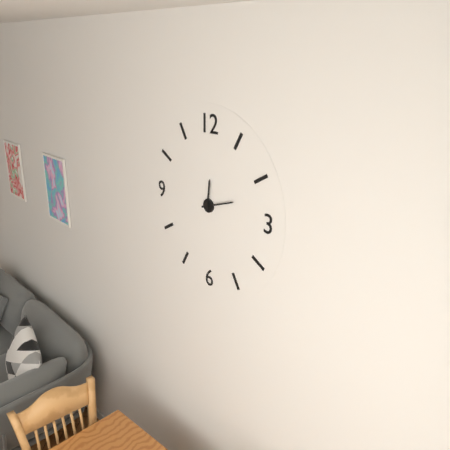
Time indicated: 12h12
